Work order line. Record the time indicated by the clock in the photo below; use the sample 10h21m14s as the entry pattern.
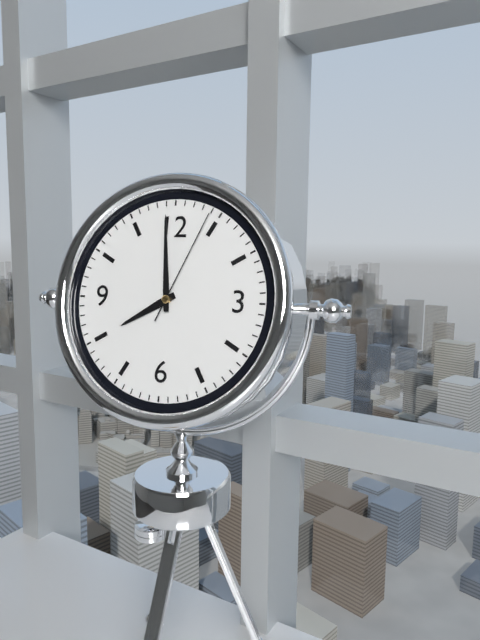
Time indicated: 7h59m04s
